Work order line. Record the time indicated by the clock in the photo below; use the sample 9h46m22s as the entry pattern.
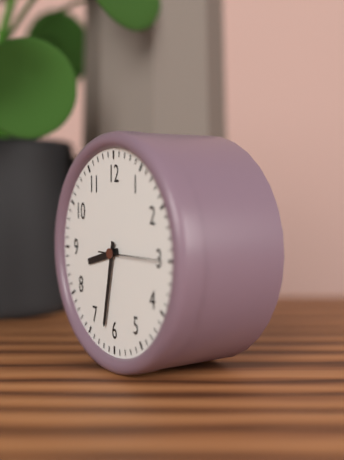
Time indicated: 8h32m15s
